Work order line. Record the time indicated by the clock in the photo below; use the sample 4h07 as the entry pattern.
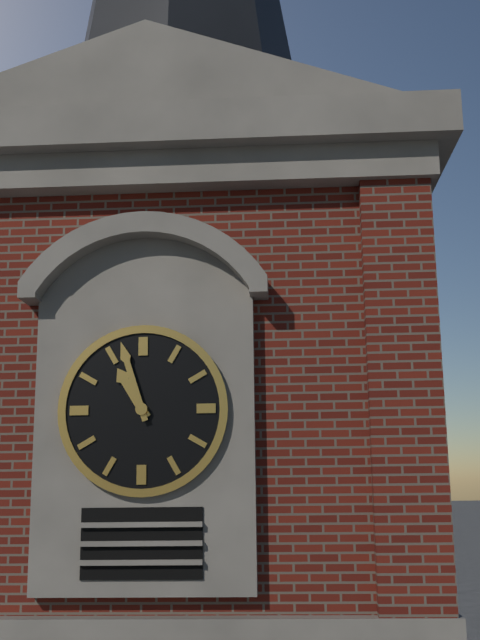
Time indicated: 10h57
